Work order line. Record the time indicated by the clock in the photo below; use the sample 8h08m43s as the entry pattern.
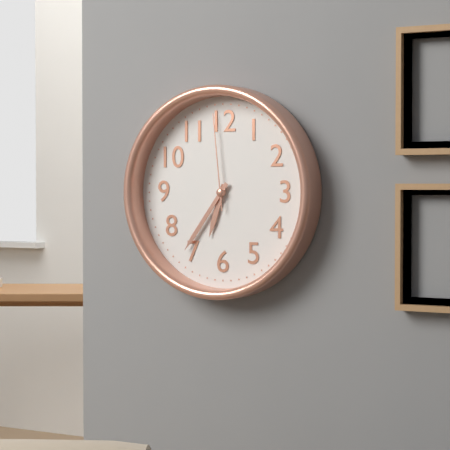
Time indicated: 6h36m59s
